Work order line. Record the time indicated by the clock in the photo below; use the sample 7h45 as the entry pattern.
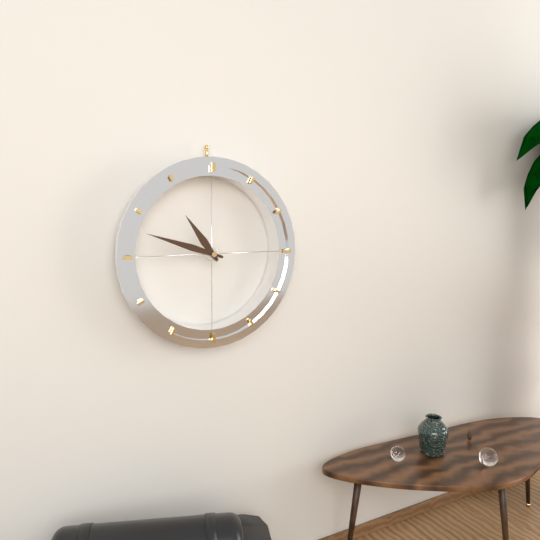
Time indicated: 10h48
